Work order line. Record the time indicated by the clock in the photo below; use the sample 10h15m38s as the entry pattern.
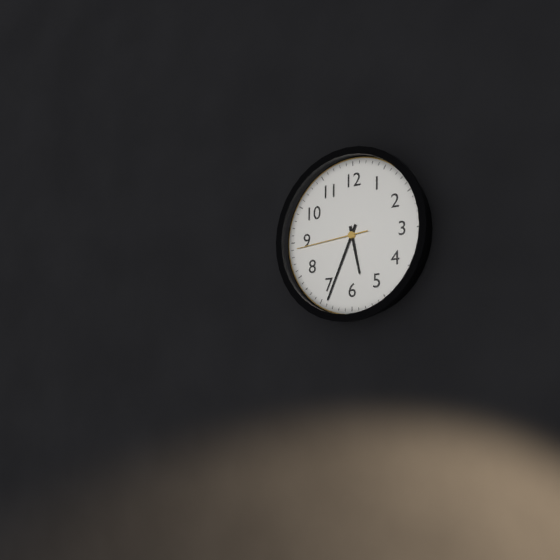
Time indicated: 5h34m44s
